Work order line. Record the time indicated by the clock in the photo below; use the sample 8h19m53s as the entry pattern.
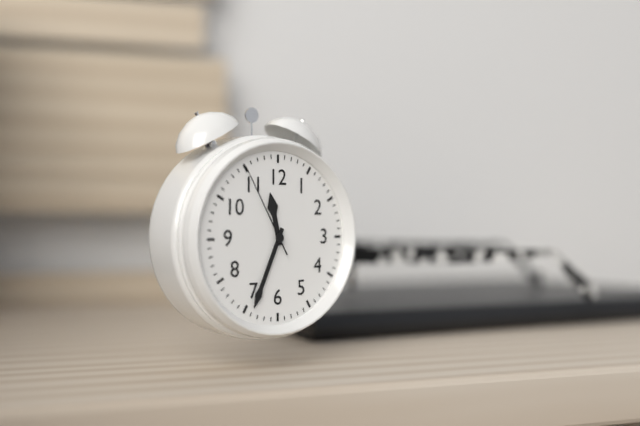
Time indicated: 11h34m55s
